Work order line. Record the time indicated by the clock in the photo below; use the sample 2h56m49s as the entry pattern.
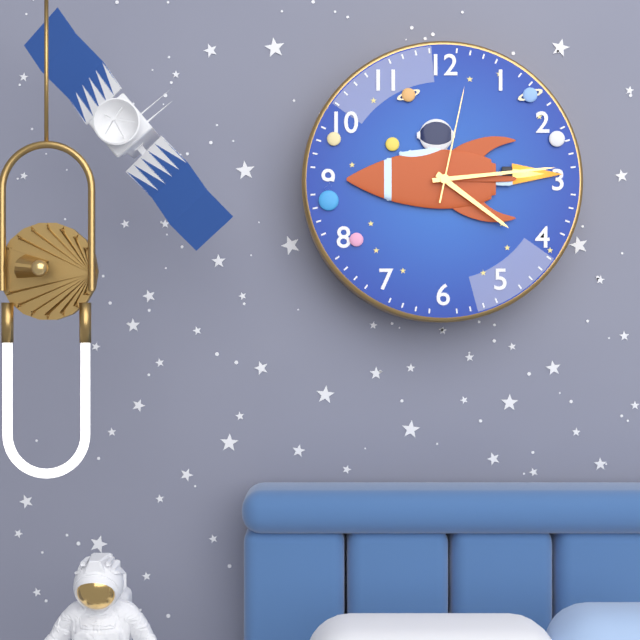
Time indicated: 4h14m02s
